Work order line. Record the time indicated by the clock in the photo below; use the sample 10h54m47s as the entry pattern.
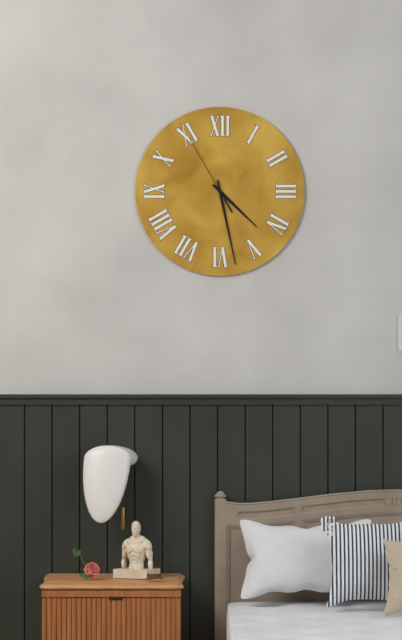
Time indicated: 4h28m55s
